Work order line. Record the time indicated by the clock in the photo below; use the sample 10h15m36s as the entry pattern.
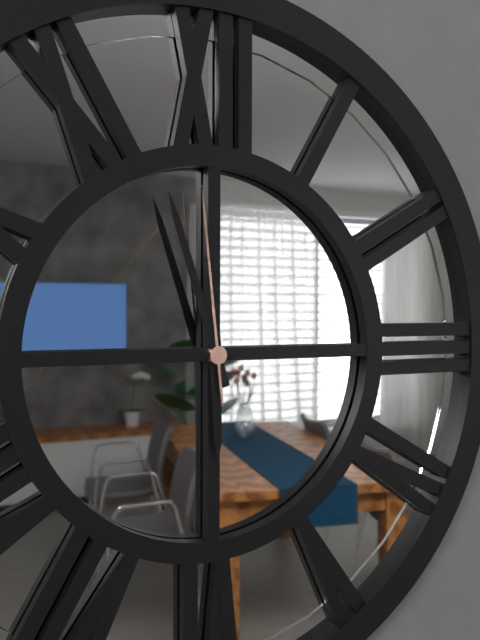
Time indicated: 5h57m59s
